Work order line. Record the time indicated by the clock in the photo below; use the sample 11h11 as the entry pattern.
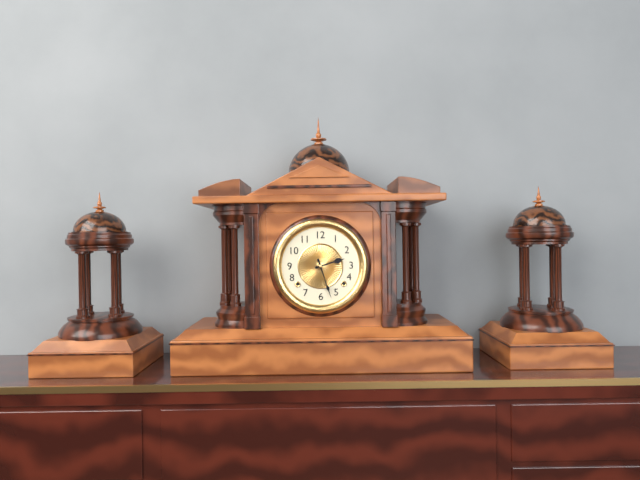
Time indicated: 2h27
